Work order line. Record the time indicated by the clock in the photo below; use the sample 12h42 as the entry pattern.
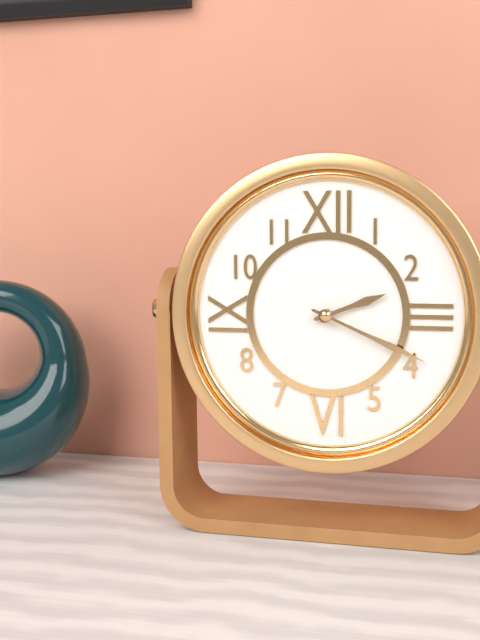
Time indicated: 2h19
